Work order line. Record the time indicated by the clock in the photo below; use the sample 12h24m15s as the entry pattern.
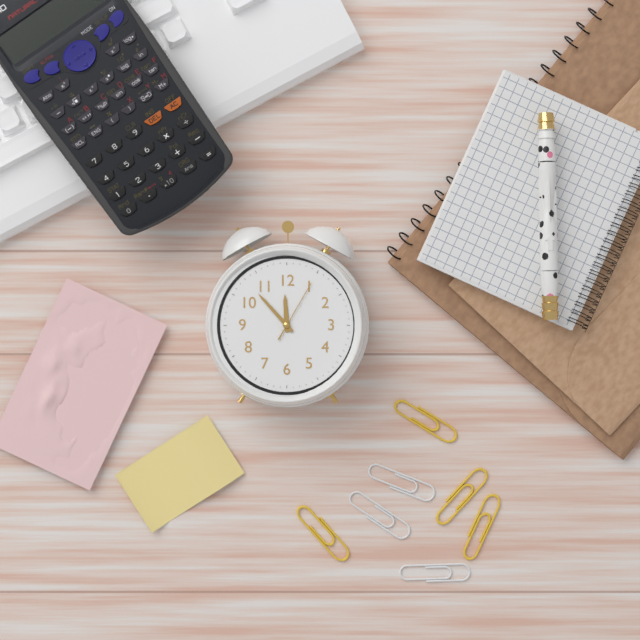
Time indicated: 11h53m05s
